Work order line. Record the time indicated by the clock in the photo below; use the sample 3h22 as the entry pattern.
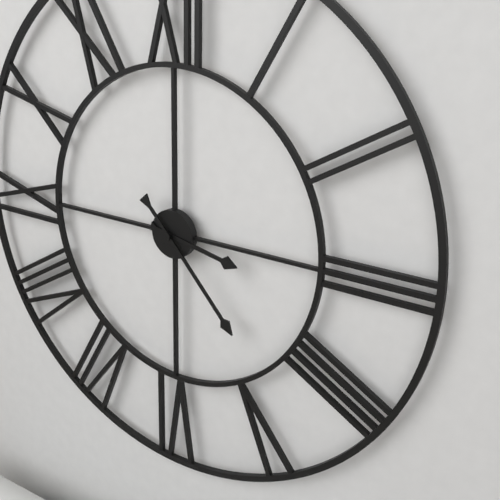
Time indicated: 3h23
